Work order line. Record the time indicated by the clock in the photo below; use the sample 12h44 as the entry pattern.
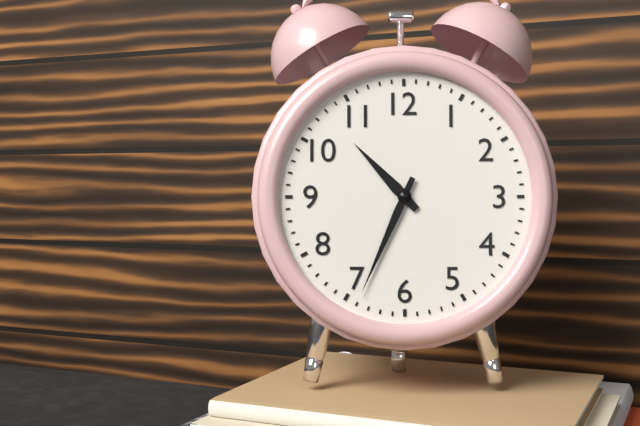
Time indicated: 10h34
